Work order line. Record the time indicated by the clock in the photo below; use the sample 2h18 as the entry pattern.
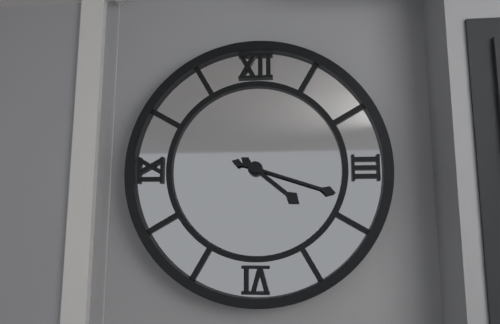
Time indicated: 4h18
